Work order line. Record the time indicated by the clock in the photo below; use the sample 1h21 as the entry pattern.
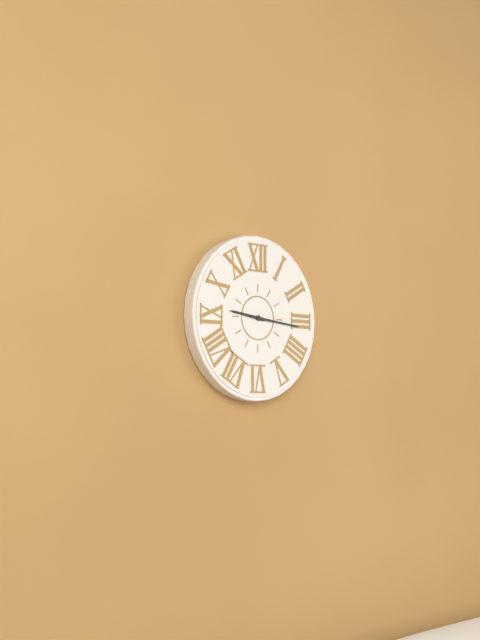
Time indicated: 9h16
